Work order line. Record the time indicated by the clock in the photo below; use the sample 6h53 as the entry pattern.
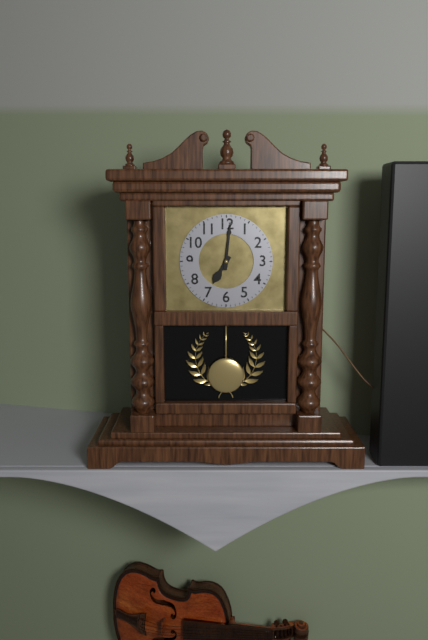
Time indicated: 7h01
